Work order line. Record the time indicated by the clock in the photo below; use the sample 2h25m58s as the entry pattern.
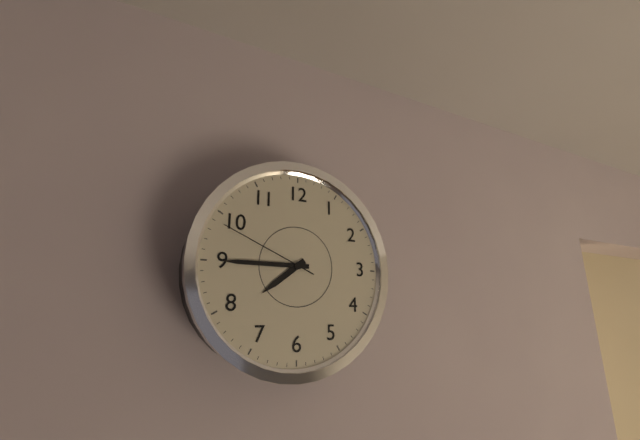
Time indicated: 7h45m49s
